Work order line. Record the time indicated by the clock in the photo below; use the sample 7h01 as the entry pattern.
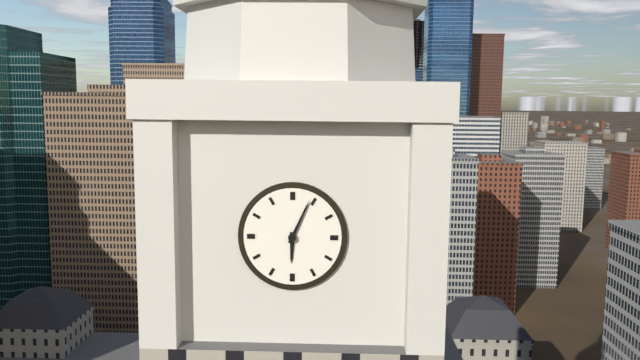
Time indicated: 6h04
